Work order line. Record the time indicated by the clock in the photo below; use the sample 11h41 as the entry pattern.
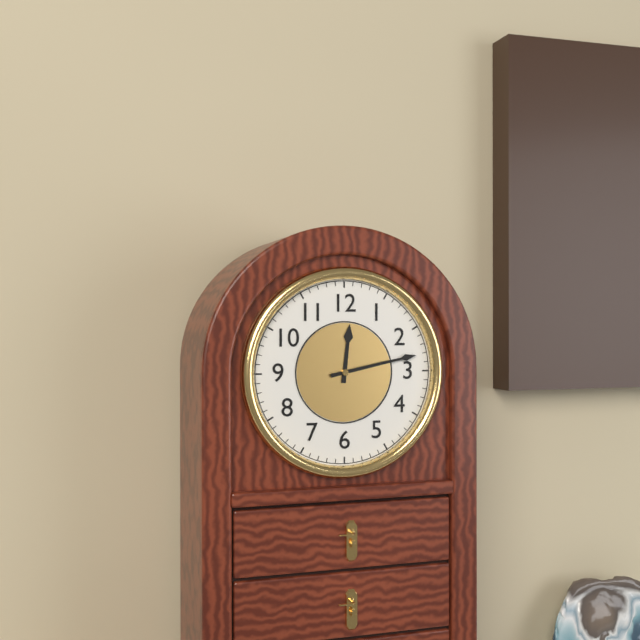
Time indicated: 12h13
